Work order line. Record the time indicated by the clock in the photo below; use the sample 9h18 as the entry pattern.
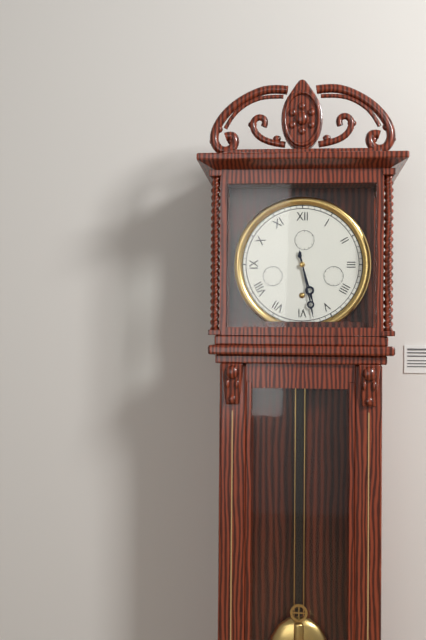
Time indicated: 5h28
